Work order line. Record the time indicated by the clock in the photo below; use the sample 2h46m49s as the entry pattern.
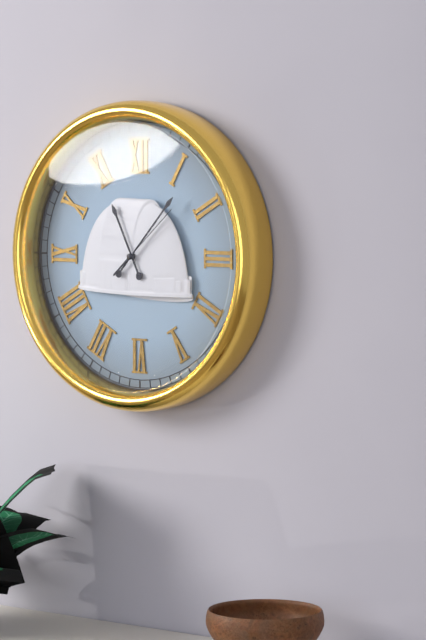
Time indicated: 11h07m08s
